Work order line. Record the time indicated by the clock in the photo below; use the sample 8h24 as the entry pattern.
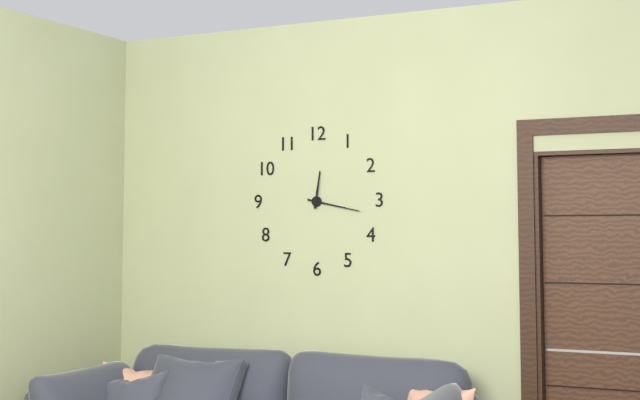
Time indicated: 12h17
